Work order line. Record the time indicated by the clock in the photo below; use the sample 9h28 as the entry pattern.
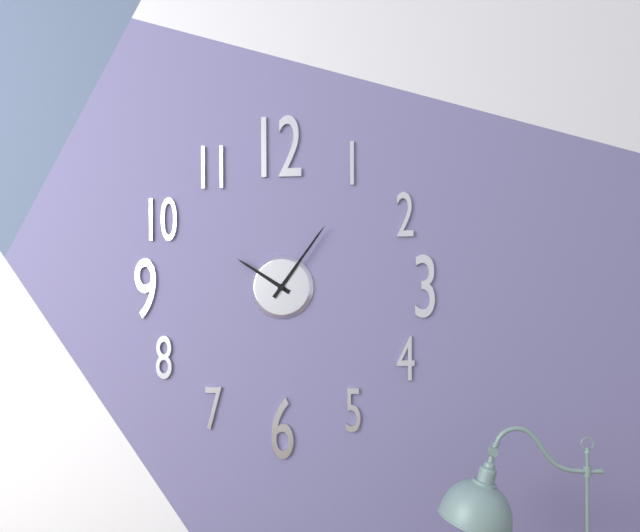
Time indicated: 10h06
